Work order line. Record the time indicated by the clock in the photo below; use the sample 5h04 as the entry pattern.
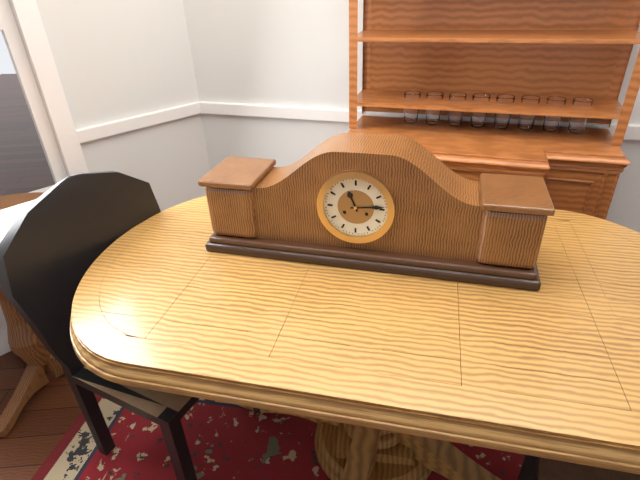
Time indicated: 11h14
